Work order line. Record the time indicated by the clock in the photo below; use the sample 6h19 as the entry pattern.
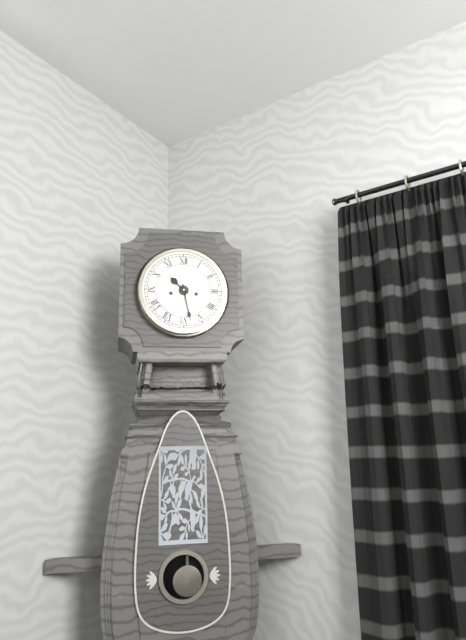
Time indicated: 10h28
